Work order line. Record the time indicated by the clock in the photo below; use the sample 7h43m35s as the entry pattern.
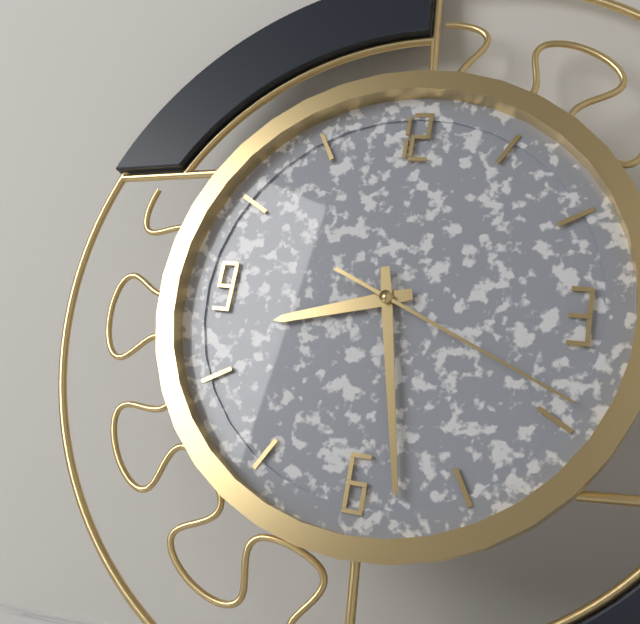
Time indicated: 8h28m19s
